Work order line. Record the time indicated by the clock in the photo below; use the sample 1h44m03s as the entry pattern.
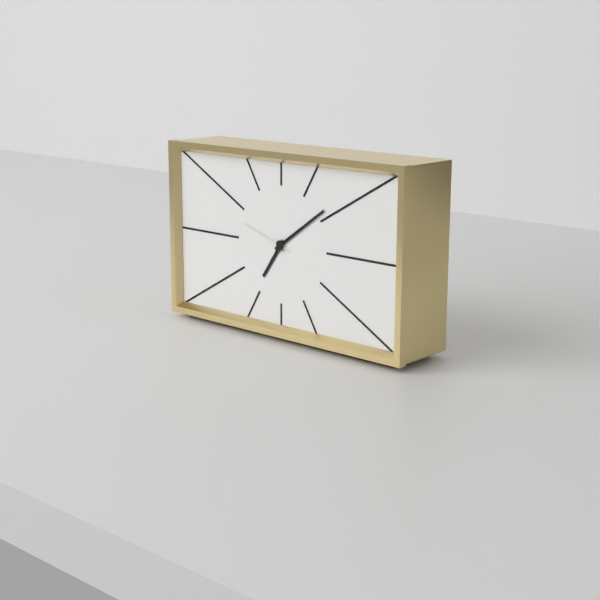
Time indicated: 7h09m48s
